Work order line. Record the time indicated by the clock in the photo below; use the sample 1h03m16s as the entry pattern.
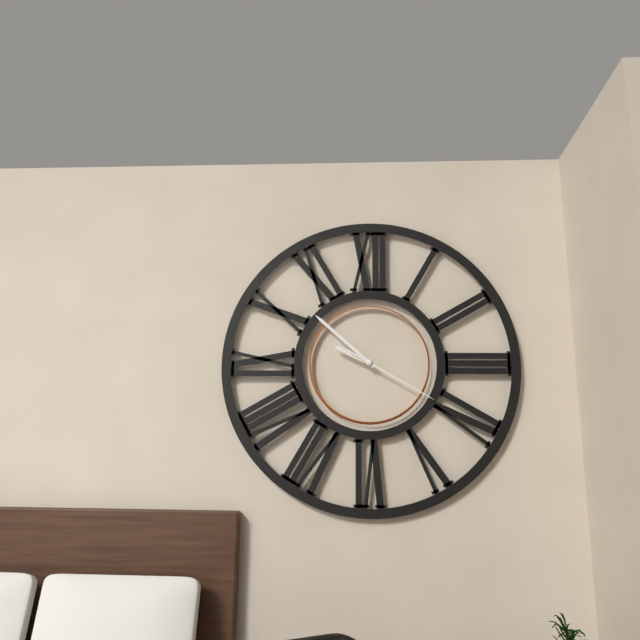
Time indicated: 9h52m20s
